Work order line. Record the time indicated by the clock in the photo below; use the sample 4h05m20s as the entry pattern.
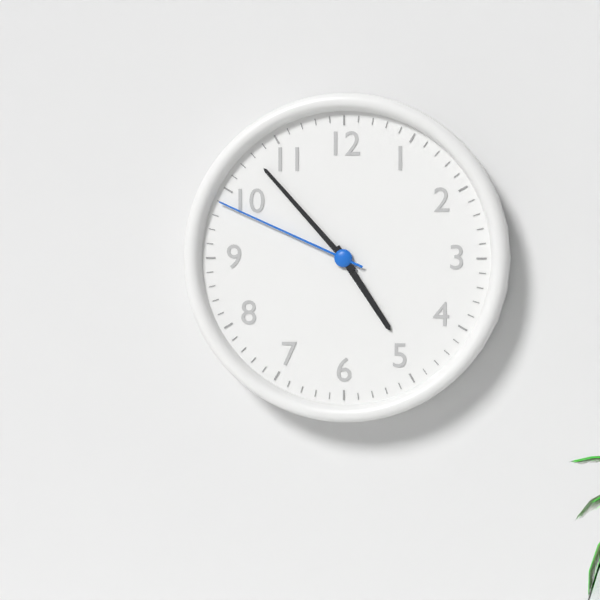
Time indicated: 4h53m49s
